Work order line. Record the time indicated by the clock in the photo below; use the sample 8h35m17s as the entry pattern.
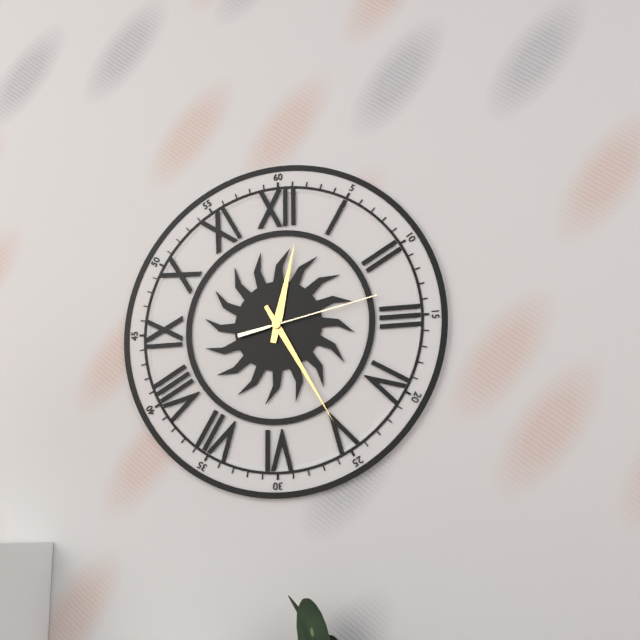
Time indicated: 12h25m13s
